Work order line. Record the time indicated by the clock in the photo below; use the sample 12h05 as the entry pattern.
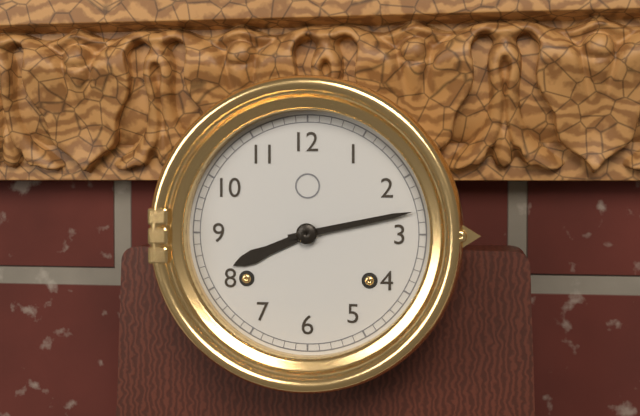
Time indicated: 8h13
